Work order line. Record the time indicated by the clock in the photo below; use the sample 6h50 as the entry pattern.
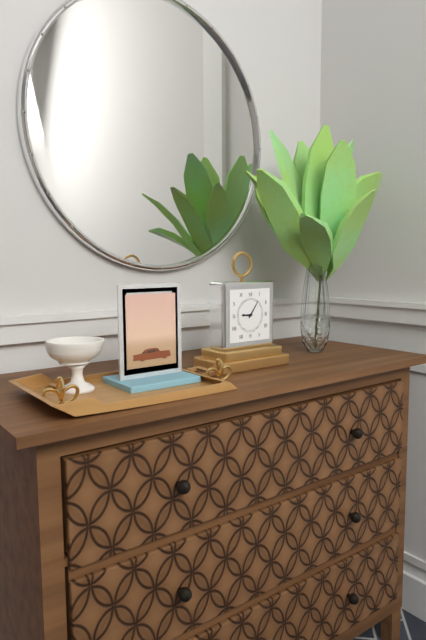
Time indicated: 9h06
